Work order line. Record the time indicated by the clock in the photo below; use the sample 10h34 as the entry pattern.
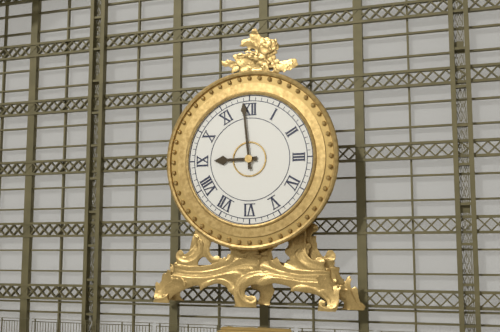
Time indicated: 8h59
